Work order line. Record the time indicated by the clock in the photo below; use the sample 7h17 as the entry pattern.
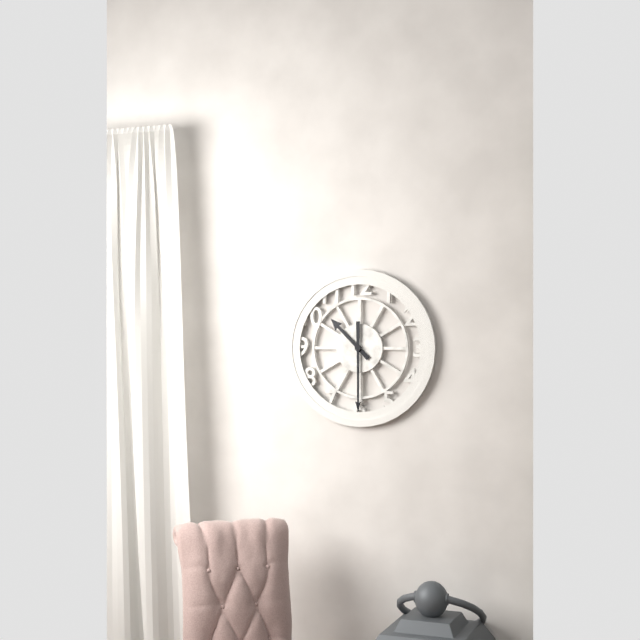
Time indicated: 10h30
